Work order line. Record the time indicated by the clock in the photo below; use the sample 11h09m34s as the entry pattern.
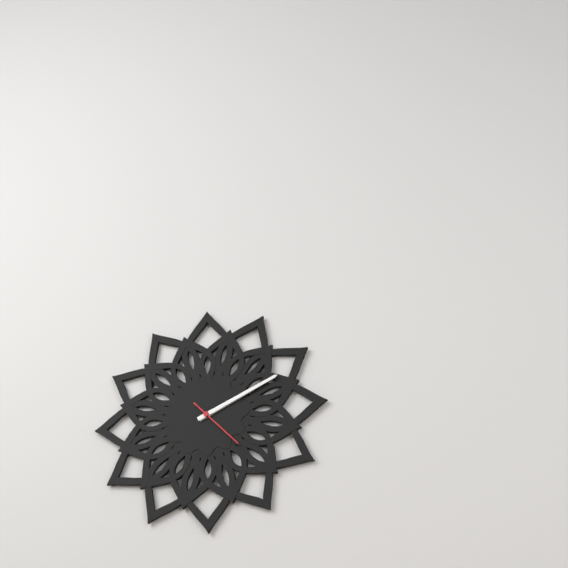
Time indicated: 2h11m23s
